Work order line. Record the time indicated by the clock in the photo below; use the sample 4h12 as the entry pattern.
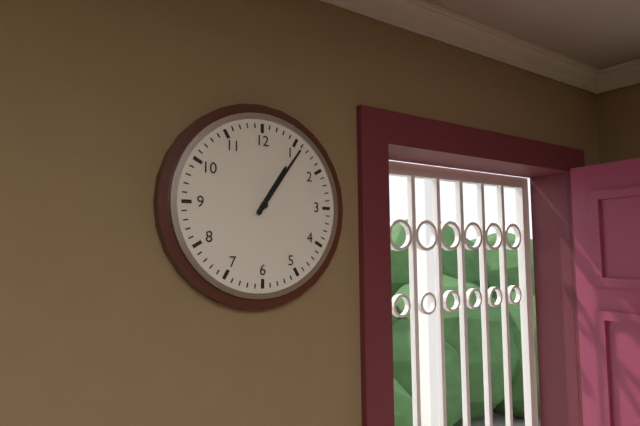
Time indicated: 1h06
